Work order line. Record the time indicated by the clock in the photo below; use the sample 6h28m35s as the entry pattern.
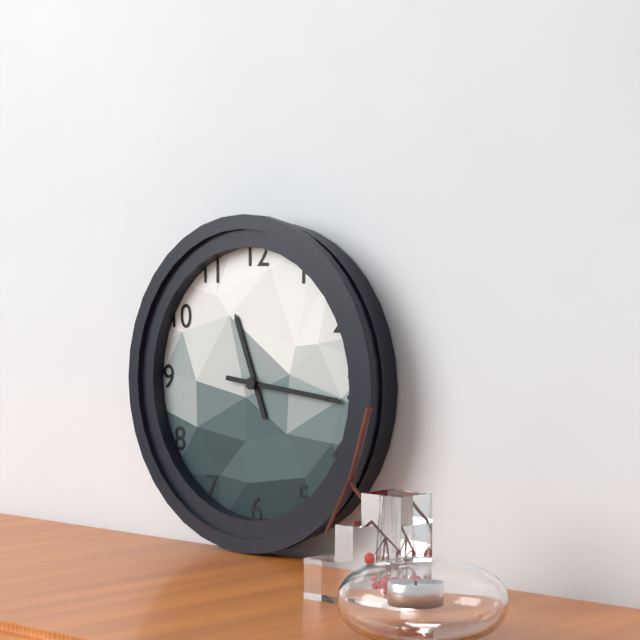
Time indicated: 11h16m16s
